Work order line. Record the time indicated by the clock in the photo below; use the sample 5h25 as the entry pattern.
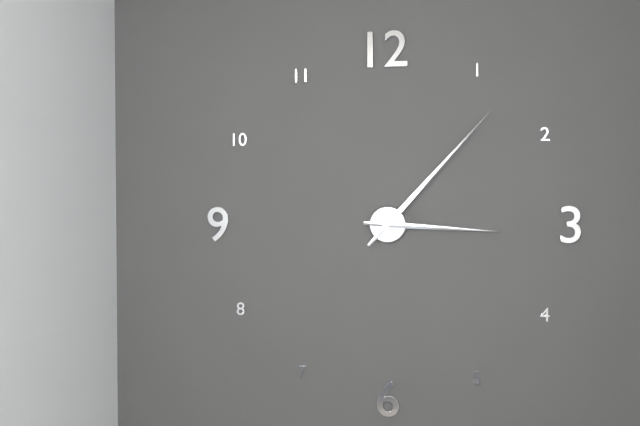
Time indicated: 3h07
